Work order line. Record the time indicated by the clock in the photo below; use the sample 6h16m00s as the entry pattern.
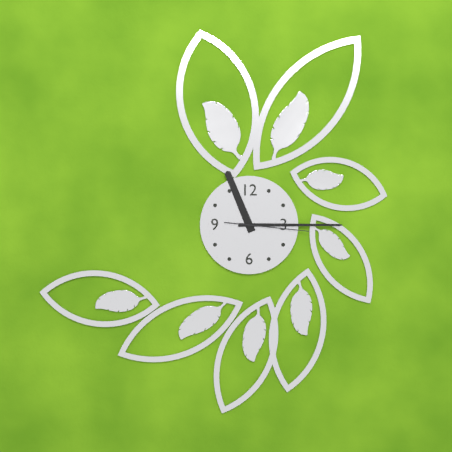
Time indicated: 11h15m16s
